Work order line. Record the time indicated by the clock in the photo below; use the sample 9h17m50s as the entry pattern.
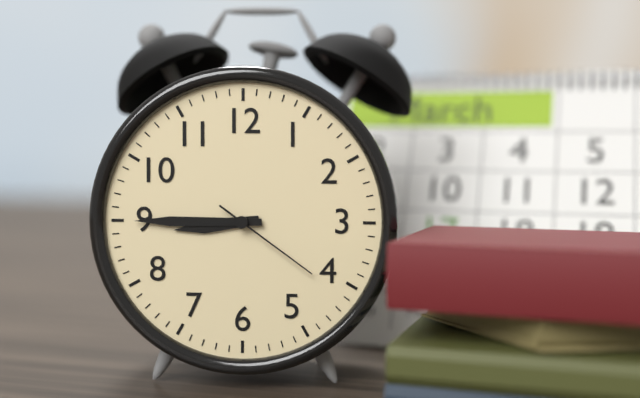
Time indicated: 8h45m21s
